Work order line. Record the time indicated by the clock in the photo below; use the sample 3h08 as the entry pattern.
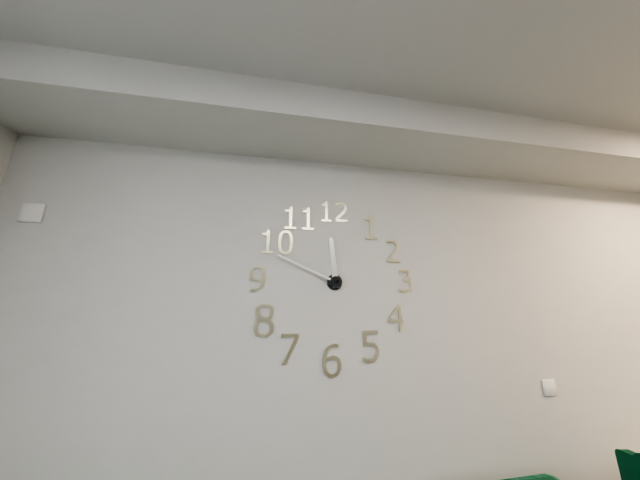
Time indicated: 11h49
